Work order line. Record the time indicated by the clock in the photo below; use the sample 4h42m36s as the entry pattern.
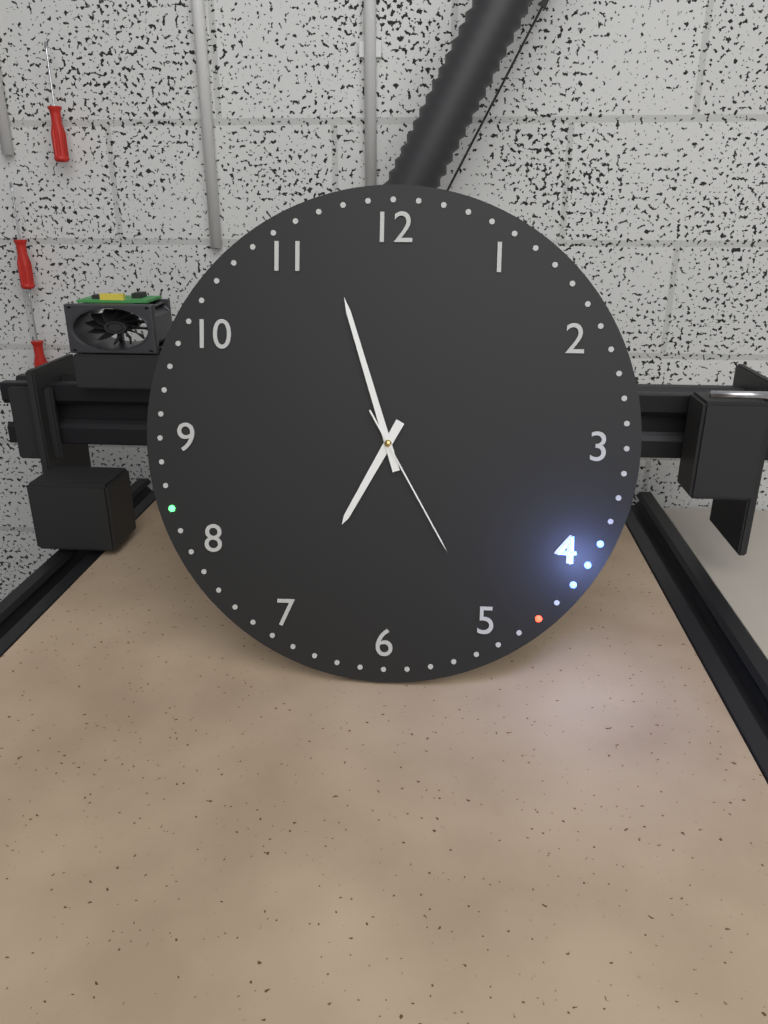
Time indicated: 6h57m25s
